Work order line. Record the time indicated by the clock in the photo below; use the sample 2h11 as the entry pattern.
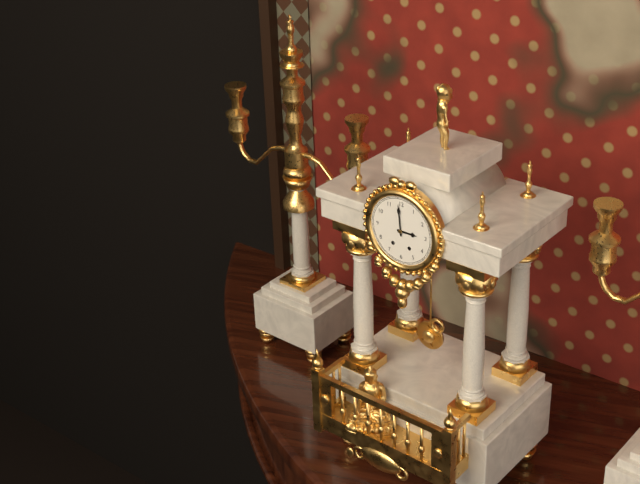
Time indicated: 2h59
